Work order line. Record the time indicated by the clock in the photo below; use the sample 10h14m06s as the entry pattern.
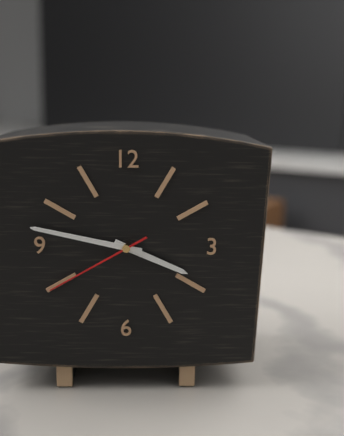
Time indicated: 3h47m40s
